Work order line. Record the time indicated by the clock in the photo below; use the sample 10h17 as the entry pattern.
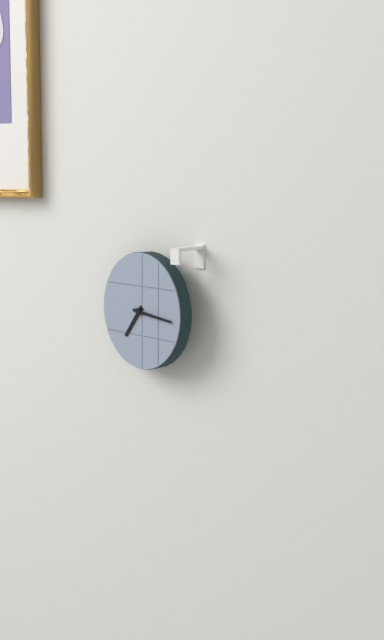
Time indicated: 7h16
